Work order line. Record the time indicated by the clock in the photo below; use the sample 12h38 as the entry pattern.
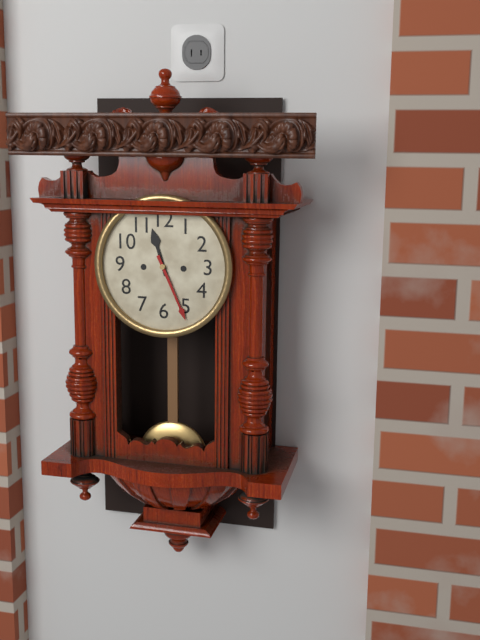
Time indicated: 11h26
